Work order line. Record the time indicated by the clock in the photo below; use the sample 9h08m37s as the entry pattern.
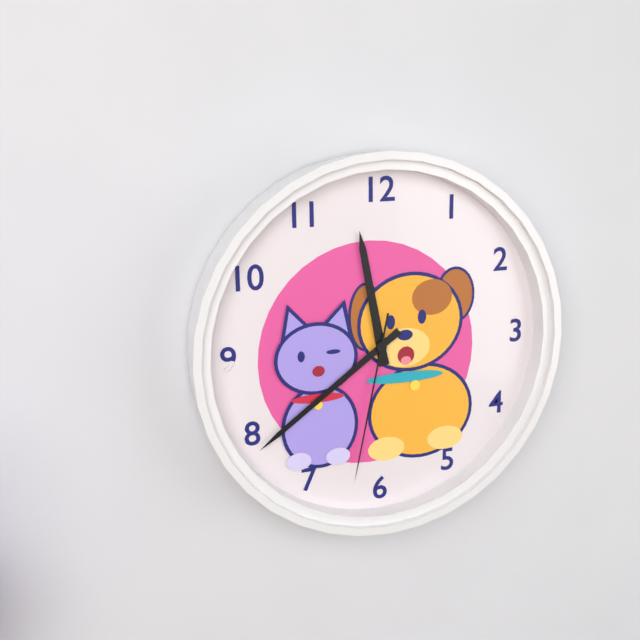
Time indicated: 11h39m32s
